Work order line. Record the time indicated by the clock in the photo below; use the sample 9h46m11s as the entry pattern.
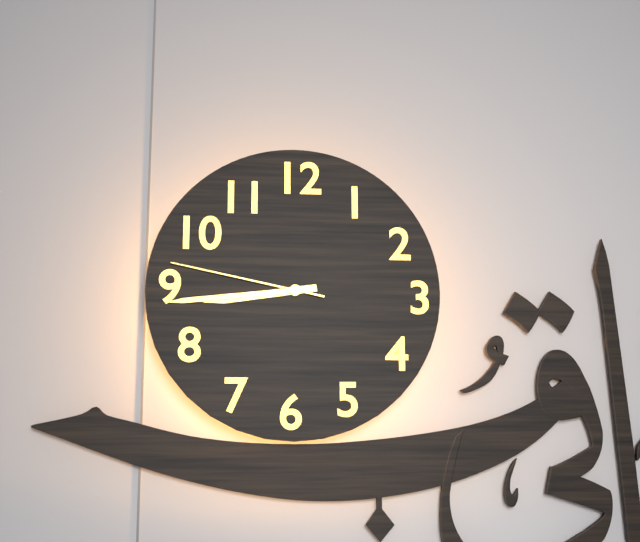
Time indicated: 8h44m47s
